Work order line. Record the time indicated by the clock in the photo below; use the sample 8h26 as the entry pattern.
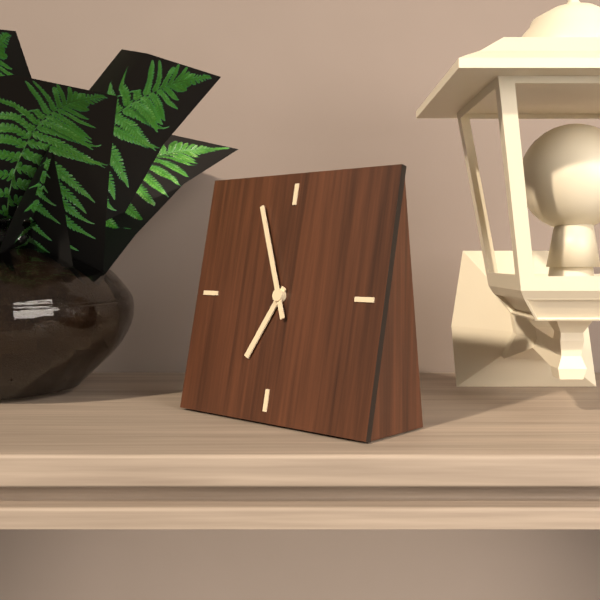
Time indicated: 6h56
